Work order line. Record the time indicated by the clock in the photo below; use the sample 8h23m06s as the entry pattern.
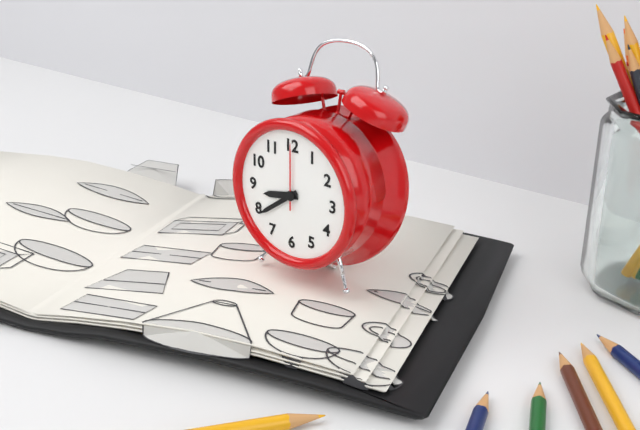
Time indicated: 8h39m00s
